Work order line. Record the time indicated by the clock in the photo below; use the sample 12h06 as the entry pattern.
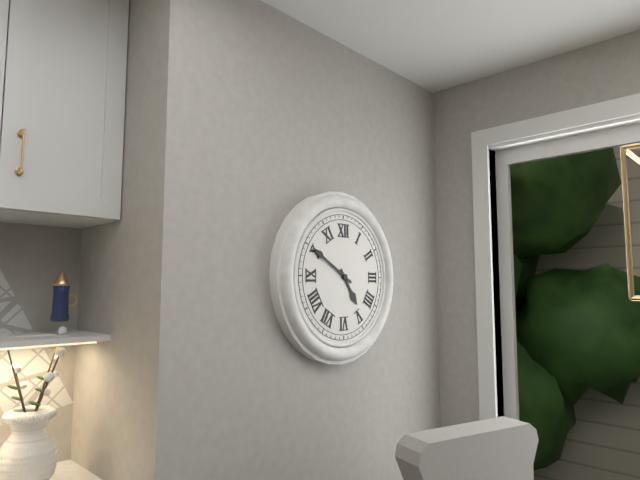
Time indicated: 4h50
